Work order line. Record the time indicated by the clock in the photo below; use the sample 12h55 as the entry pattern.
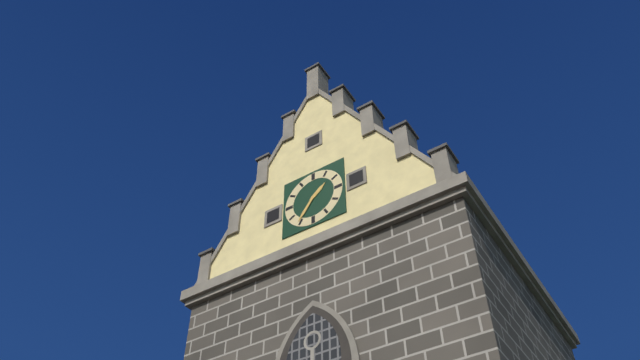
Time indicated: 1h36
